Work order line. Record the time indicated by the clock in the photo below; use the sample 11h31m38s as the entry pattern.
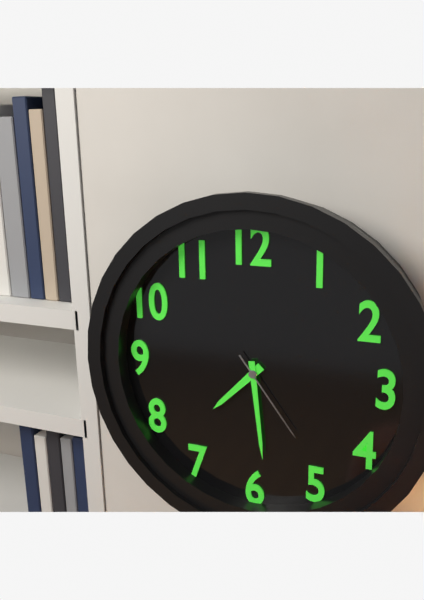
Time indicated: 7h29m24s
